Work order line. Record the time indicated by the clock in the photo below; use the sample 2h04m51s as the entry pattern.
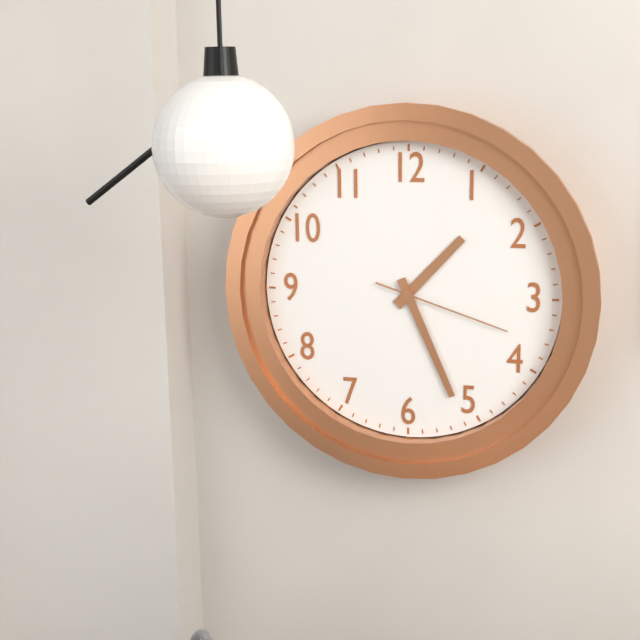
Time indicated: 1h26m18s
